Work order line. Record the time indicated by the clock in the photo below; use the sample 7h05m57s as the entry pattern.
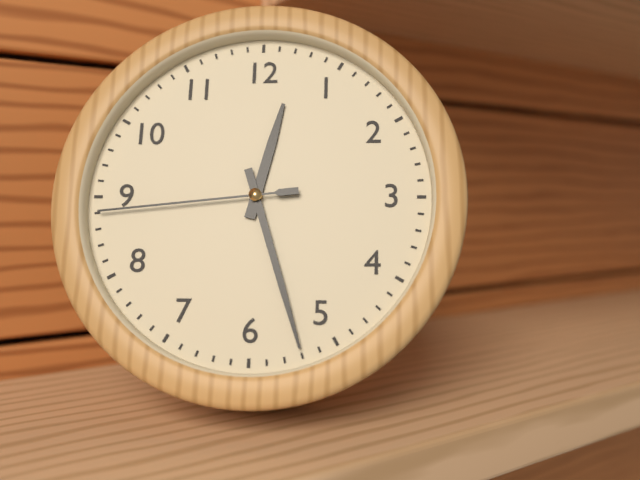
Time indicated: 12h27m44s
